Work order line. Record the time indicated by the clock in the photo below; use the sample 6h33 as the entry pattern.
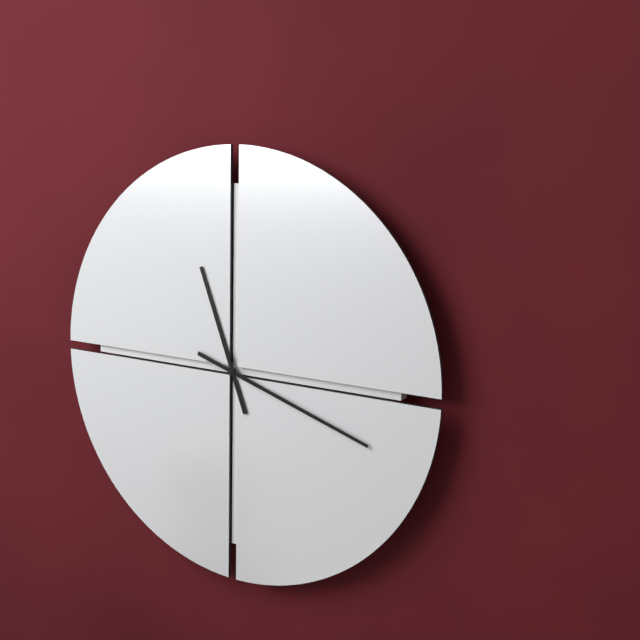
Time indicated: 11h18
